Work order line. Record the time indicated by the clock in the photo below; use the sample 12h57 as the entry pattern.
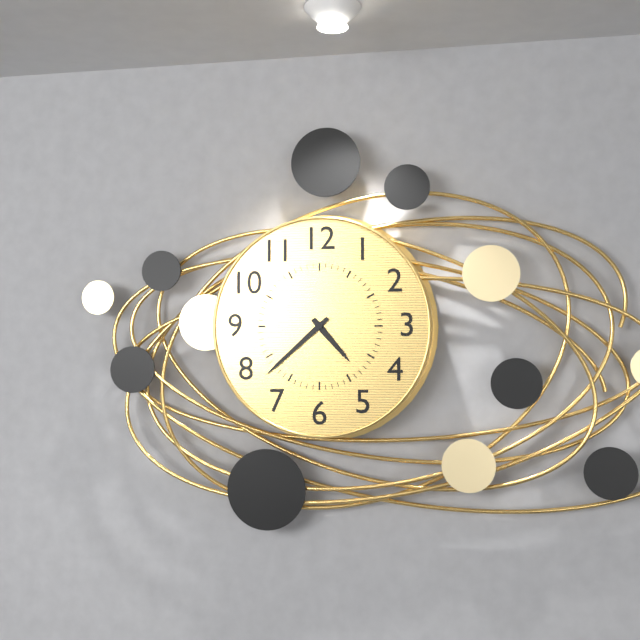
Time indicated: 4h38
